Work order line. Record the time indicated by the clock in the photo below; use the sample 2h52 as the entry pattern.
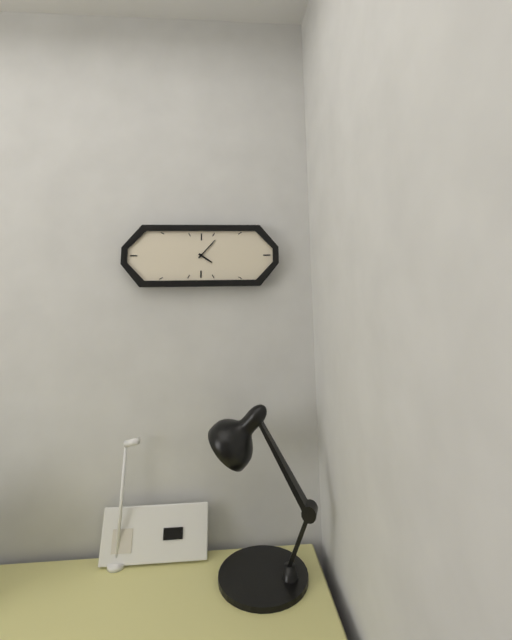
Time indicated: 4h07
